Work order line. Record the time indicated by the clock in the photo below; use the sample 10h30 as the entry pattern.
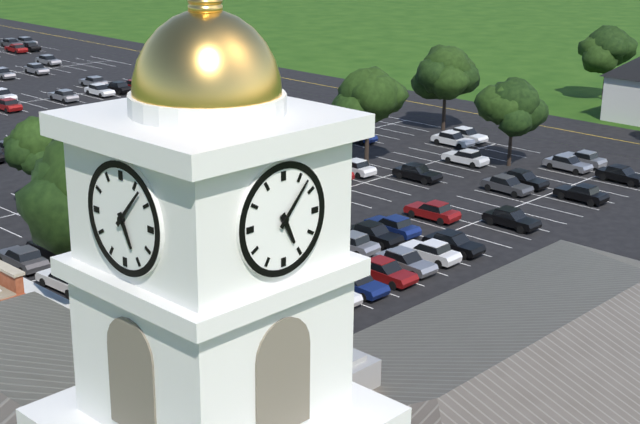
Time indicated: 5h07
